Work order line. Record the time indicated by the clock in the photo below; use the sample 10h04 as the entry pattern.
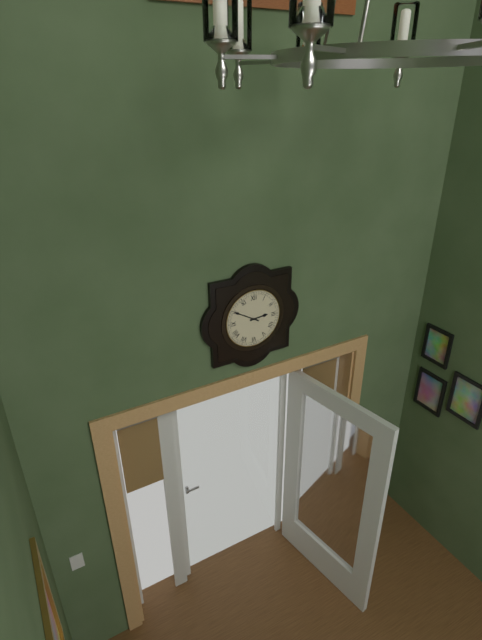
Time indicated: 2h50
